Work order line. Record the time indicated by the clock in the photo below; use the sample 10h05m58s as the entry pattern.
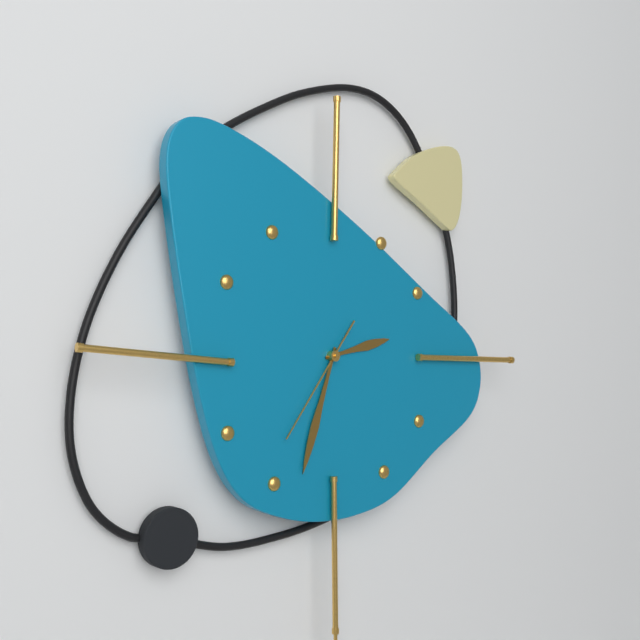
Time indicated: 2h33m36s
